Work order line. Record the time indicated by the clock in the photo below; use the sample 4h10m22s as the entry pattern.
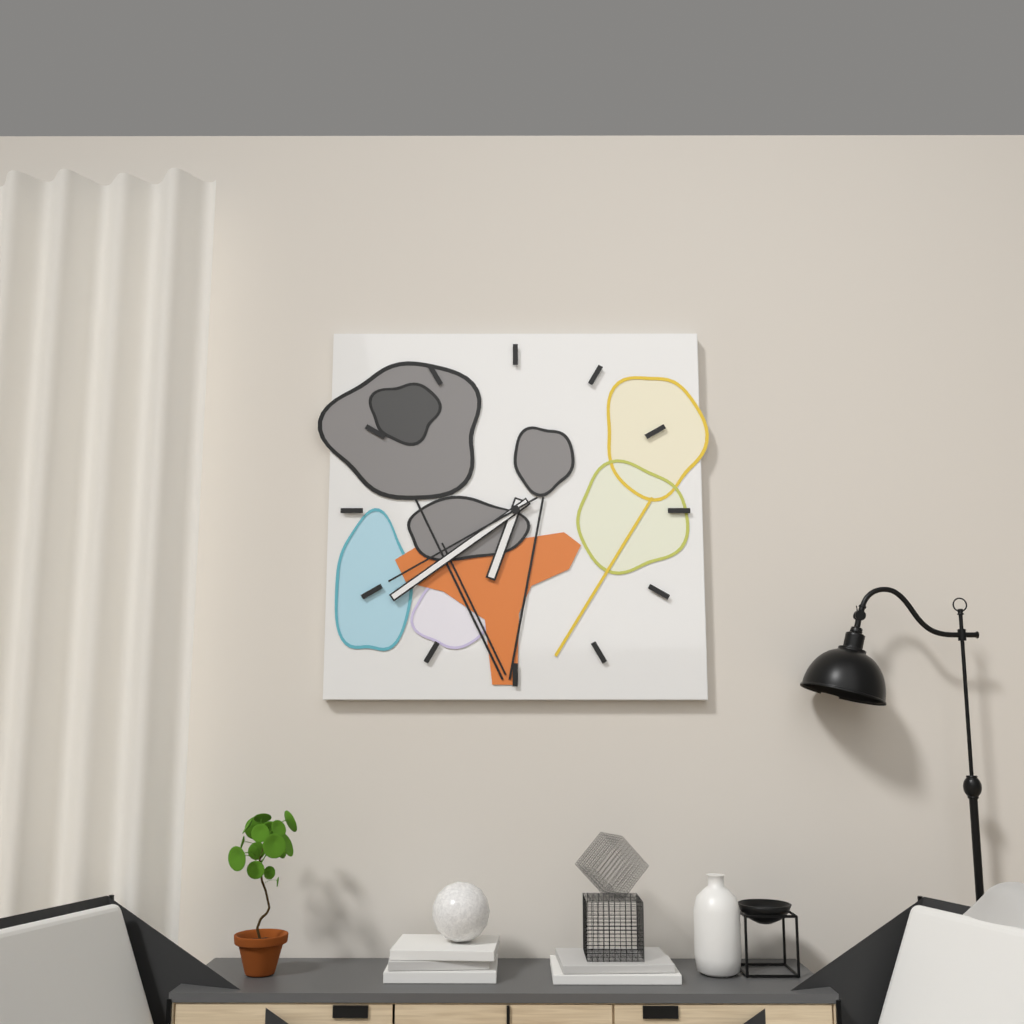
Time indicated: 6h39m40s
